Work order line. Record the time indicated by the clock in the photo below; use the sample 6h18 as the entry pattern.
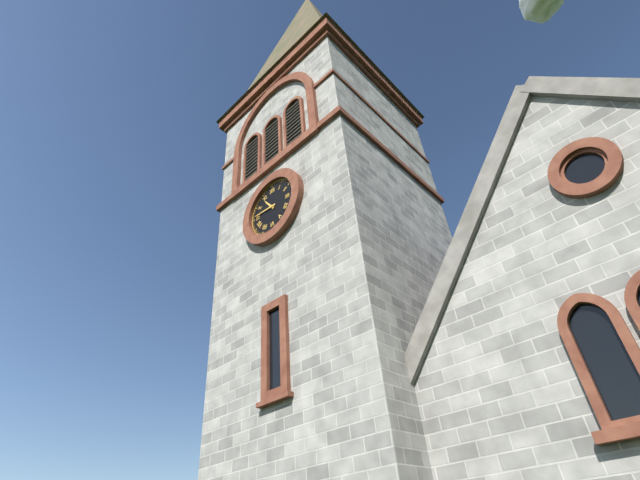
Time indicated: 10h46
